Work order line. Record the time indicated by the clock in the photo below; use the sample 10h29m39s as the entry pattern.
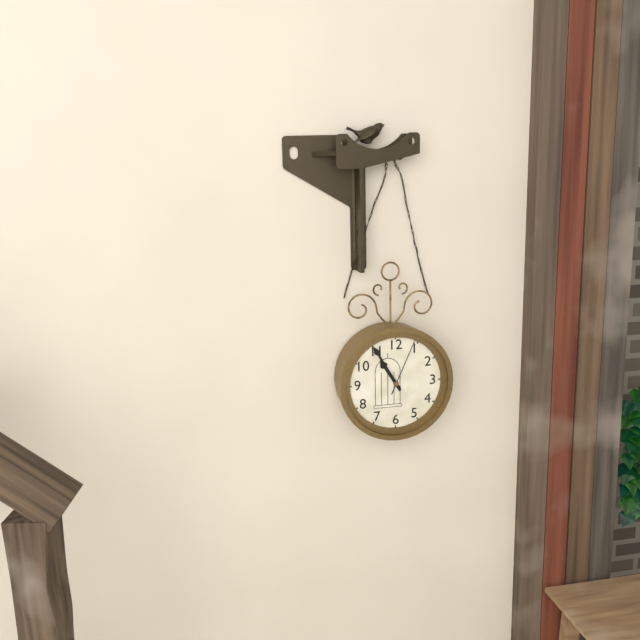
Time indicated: 10h55m04s
